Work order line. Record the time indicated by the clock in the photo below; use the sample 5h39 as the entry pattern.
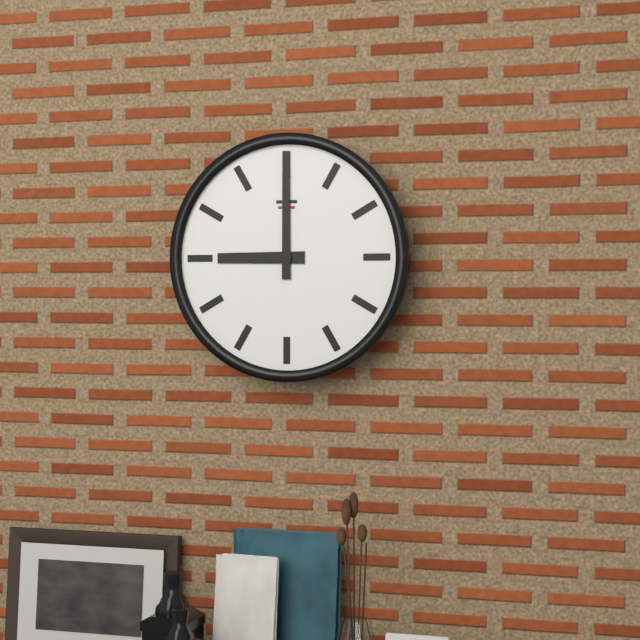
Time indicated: 9h00
